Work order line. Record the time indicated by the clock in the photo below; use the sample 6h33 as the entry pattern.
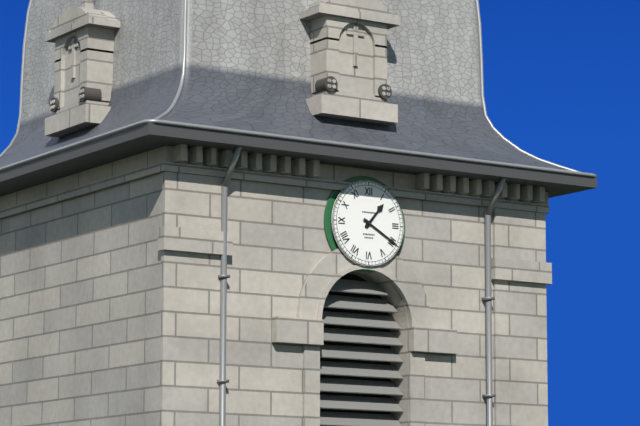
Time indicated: 1h20
